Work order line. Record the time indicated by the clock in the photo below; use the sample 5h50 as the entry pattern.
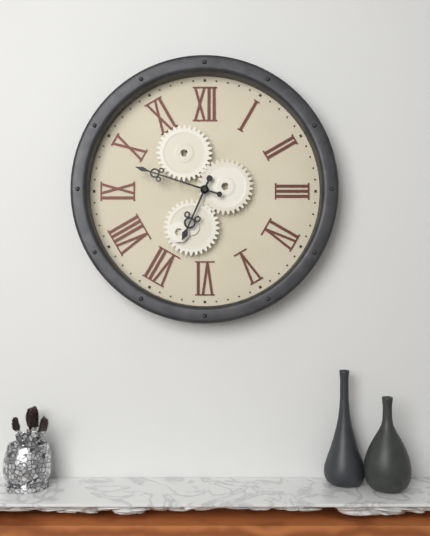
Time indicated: 6h48
